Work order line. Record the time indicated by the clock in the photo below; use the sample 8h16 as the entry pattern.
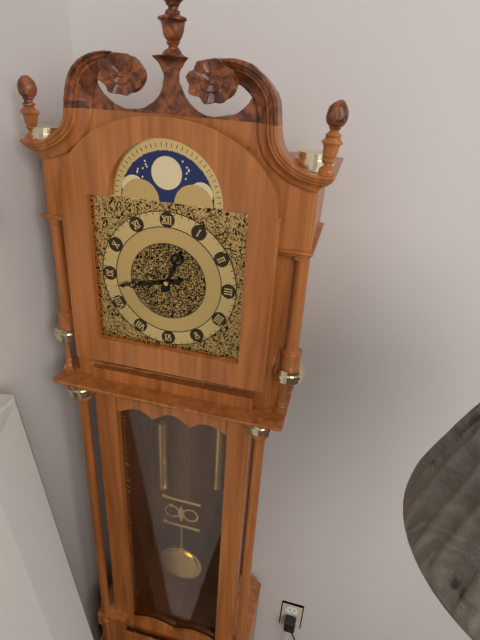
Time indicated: 12h43
